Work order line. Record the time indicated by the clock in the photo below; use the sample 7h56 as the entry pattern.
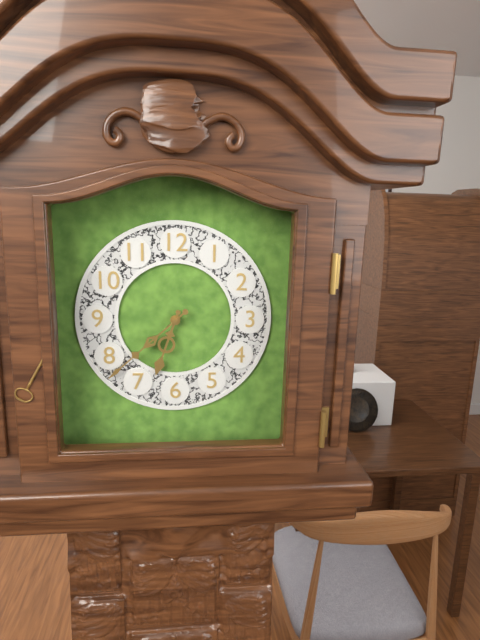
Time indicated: 6h38
